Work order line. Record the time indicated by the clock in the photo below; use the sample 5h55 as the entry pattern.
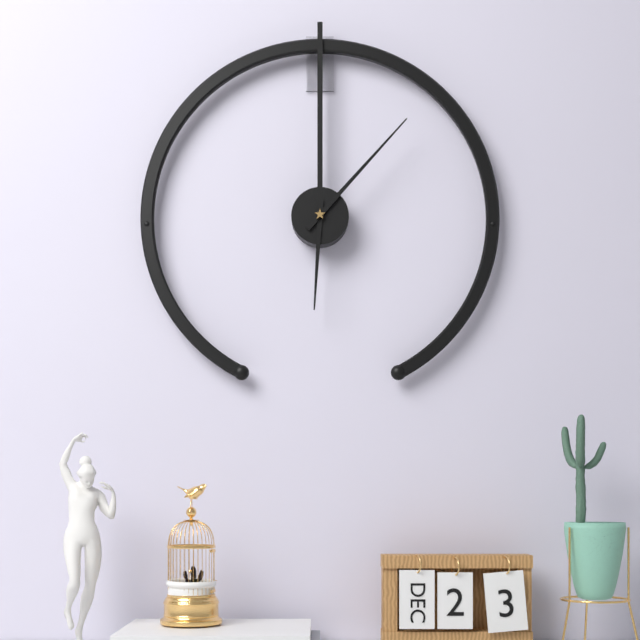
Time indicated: 6h07
